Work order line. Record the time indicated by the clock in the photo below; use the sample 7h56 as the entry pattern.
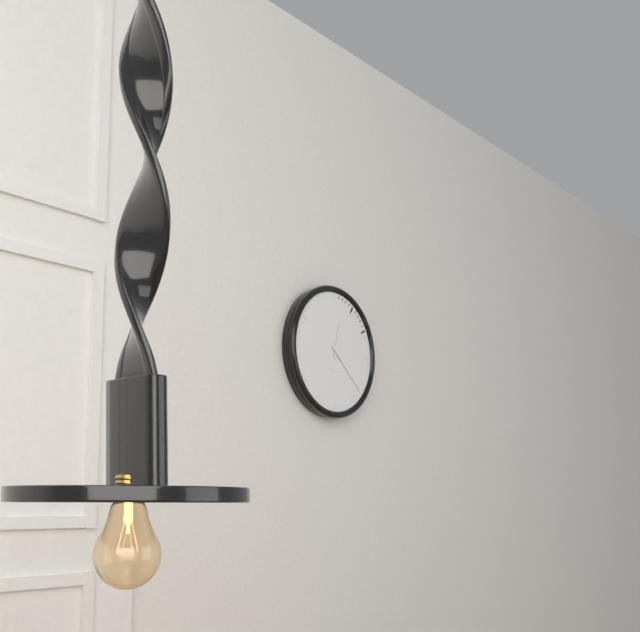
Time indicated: 12h22
